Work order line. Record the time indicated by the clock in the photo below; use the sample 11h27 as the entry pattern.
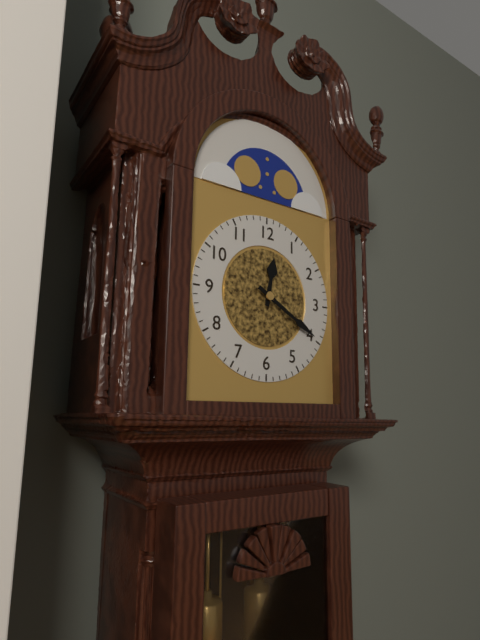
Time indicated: 12h20
